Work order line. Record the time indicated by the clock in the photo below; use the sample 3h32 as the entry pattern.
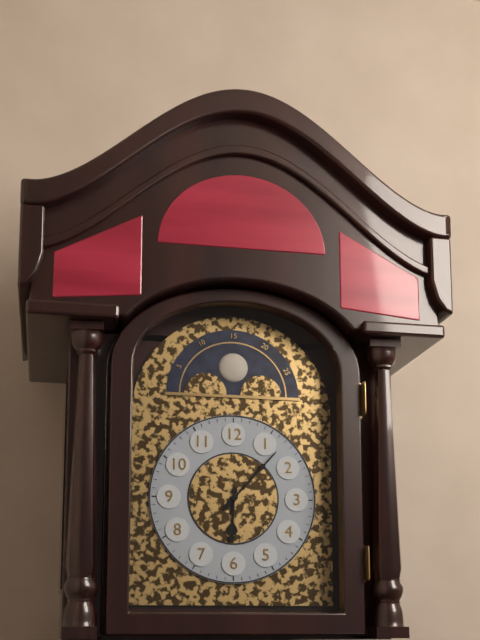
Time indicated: 6h07
